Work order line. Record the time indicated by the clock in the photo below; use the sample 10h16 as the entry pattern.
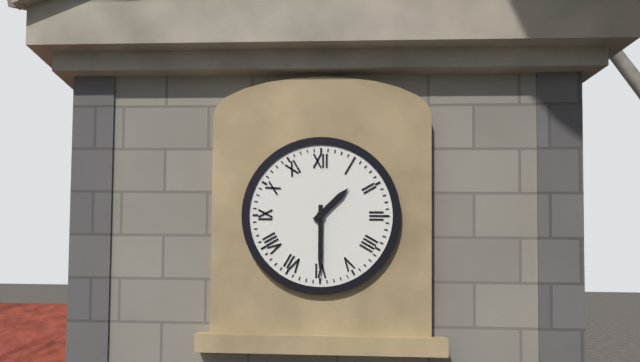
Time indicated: 1h30
